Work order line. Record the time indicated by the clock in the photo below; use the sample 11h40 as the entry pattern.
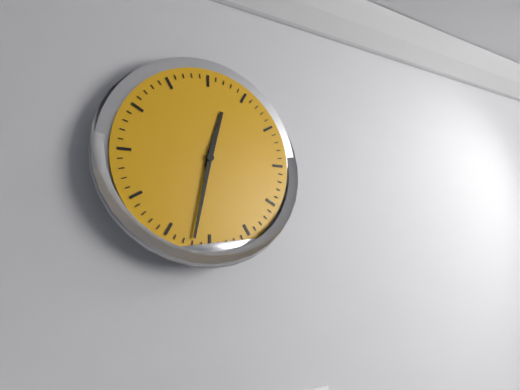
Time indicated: 12h32
